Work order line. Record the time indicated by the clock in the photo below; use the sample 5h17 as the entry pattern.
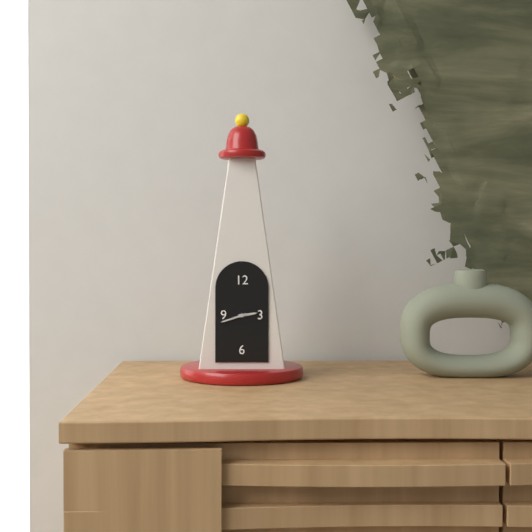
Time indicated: 2h42
